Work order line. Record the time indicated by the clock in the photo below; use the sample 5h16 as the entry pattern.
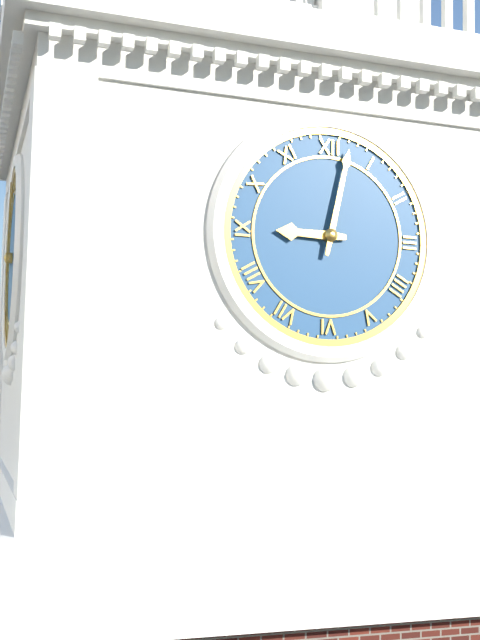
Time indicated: 9h02
